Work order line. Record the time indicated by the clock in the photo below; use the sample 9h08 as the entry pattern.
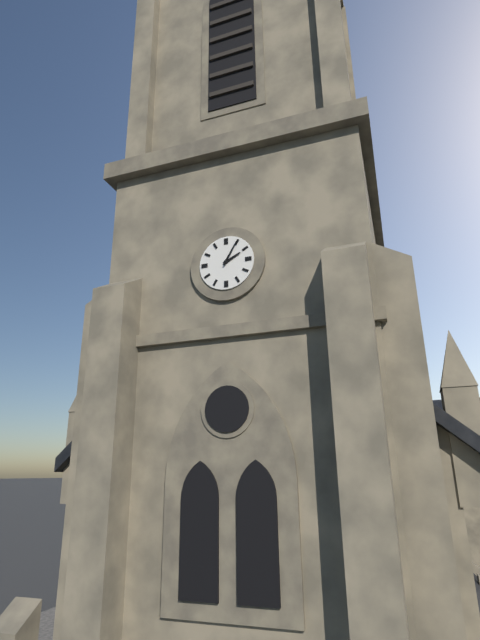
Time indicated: 2h05
